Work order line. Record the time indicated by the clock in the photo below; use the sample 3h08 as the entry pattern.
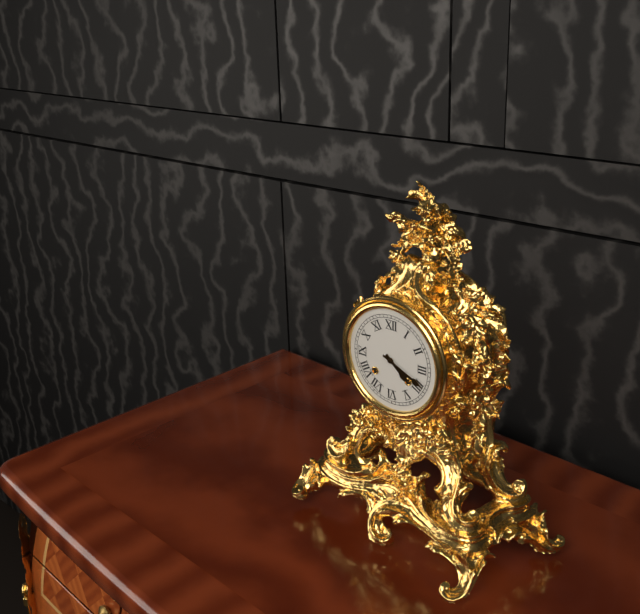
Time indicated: 4h19
